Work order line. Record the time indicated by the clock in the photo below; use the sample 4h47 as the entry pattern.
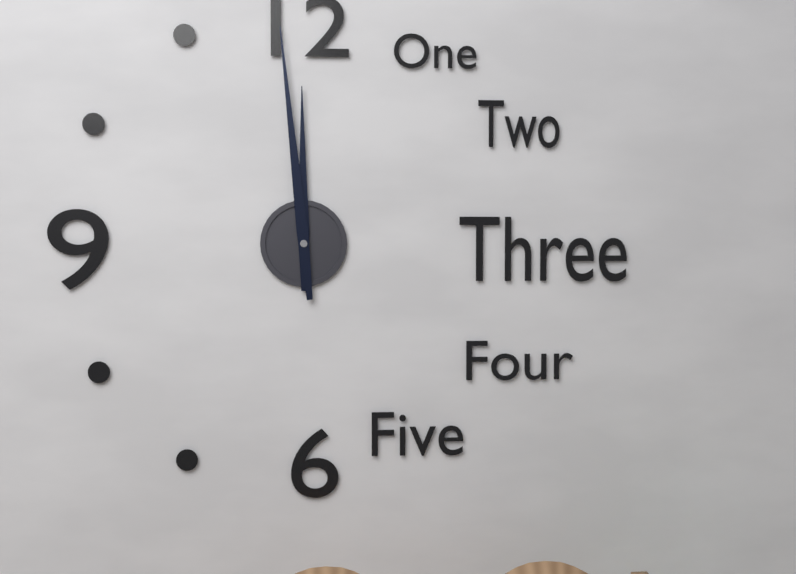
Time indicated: 11h59
